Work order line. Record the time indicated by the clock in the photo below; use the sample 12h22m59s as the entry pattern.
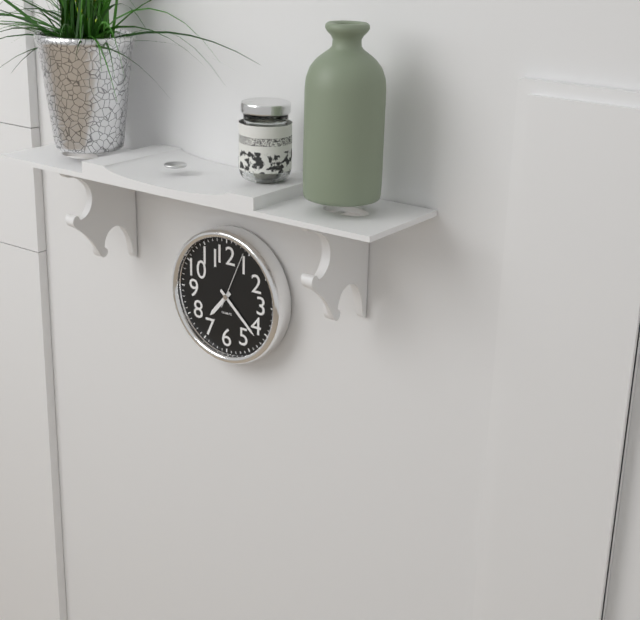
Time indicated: 7h22m04s
